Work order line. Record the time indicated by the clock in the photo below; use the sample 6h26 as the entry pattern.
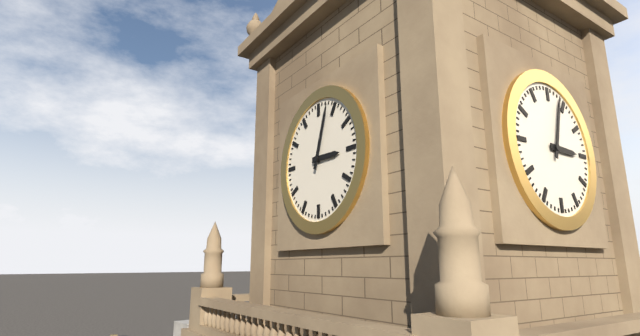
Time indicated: 3h03
